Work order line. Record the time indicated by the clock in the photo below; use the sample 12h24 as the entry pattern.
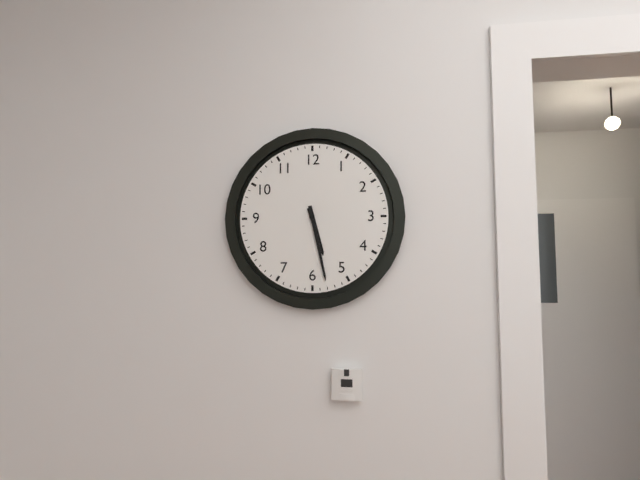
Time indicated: 5h28
